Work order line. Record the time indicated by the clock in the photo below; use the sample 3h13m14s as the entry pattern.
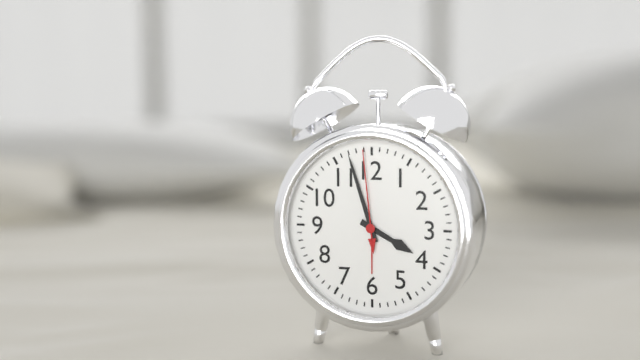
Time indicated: 3h57m59s
